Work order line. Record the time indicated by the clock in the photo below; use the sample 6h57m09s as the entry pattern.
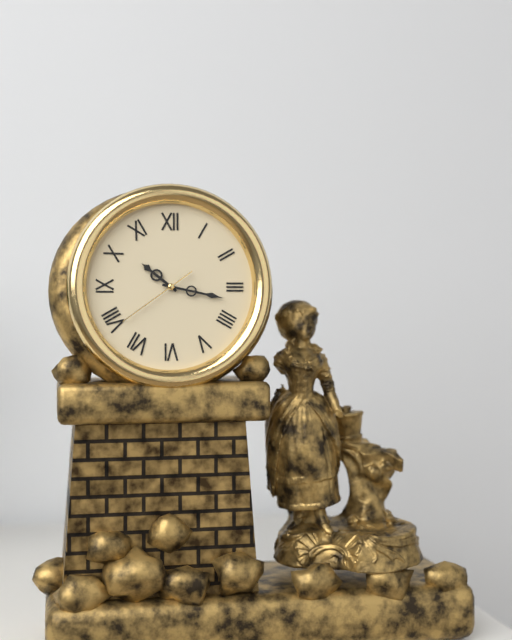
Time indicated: 10h17m39s
